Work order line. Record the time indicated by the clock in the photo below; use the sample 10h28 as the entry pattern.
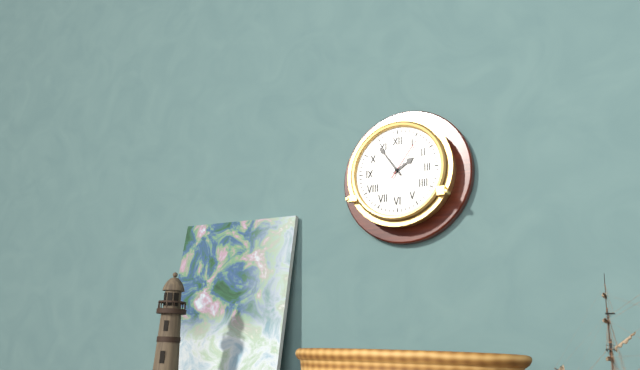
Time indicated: 1h54
